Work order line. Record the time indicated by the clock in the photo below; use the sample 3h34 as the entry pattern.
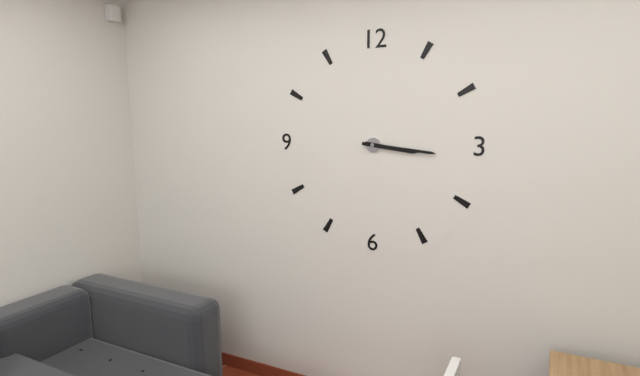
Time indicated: 3h16
